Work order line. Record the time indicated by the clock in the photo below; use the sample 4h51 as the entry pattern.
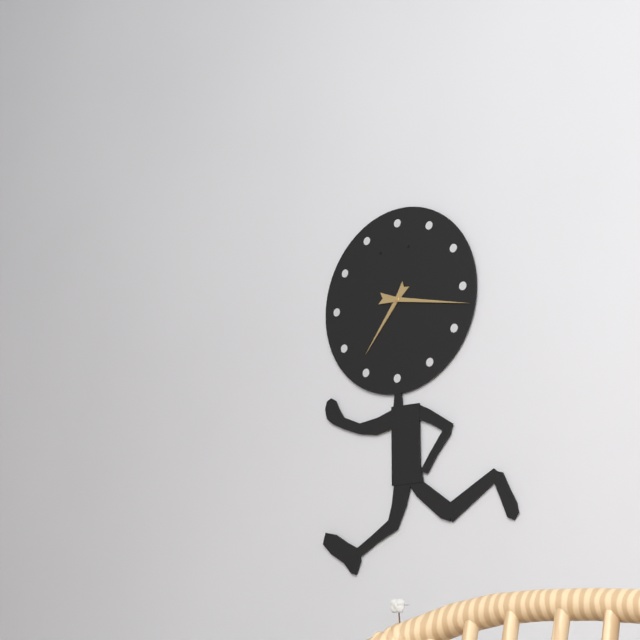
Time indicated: 7h17
